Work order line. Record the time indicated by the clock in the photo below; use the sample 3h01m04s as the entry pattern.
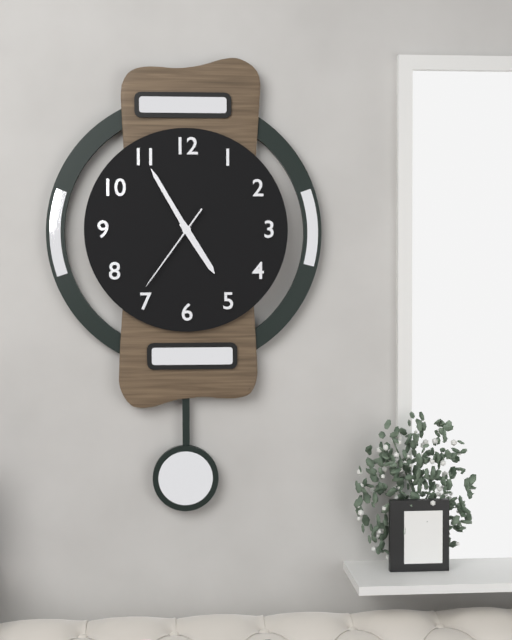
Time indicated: 4h55m36s
